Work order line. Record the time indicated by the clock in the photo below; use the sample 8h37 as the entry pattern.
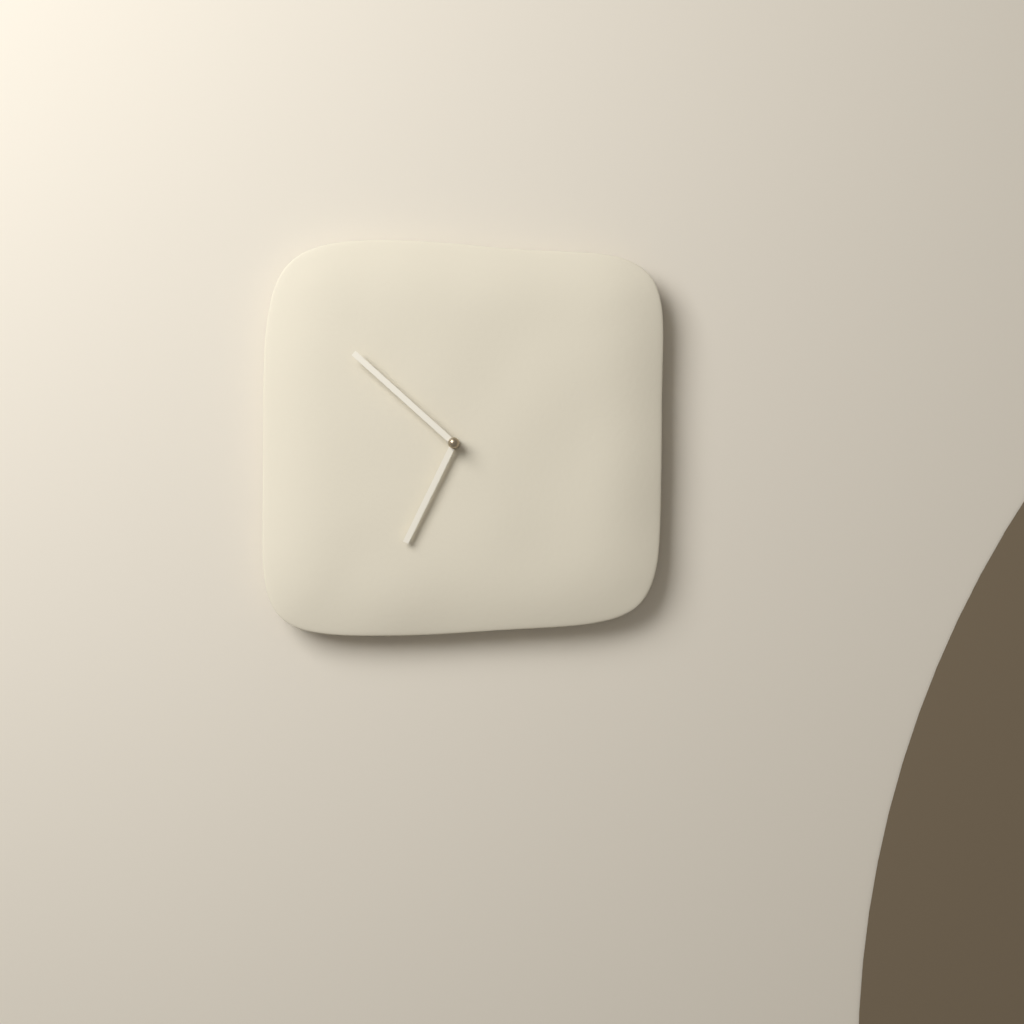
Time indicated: 6h52
